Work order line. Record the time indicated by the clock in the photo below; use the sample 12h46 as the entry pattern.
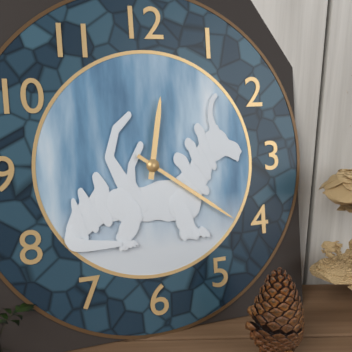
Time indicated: 12h21
